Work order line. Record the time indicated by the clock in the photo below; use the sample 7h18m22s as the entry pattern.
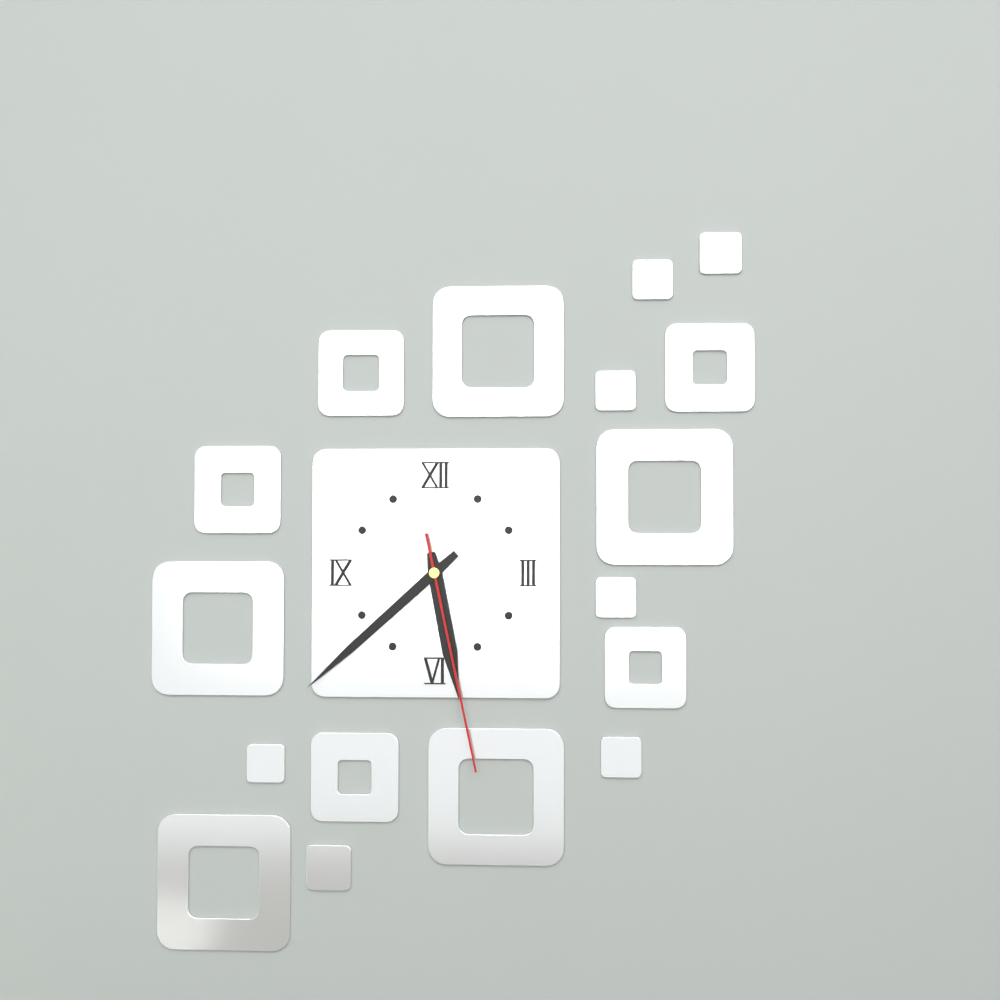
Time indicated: 5h38m28s
